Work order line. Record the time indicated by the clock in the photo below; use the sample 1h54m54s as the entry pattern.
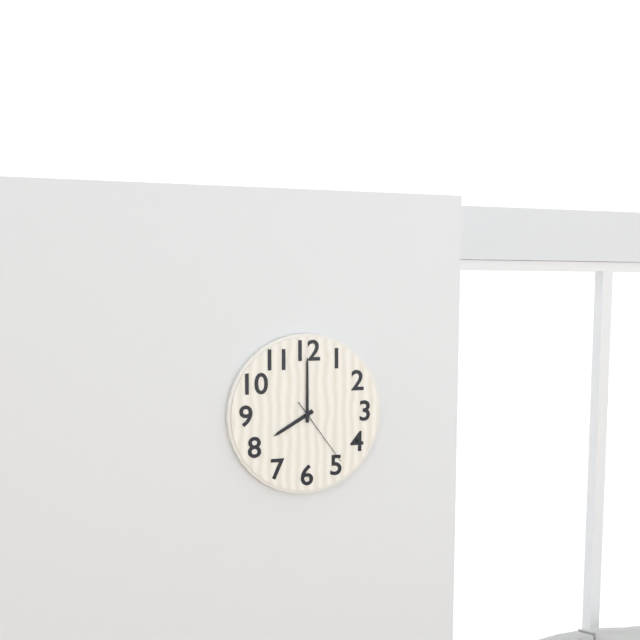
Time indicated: 8h00m24s
